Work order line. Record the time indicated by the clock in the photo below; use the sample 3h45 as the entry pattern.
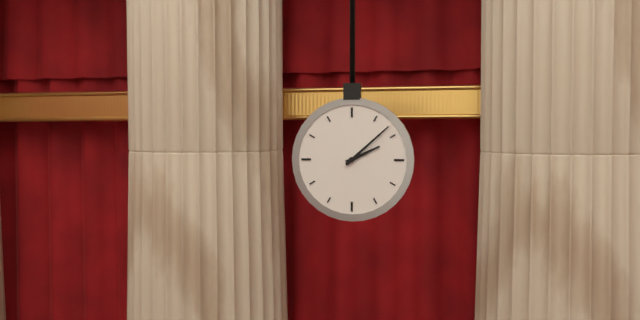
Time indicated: 2h08
